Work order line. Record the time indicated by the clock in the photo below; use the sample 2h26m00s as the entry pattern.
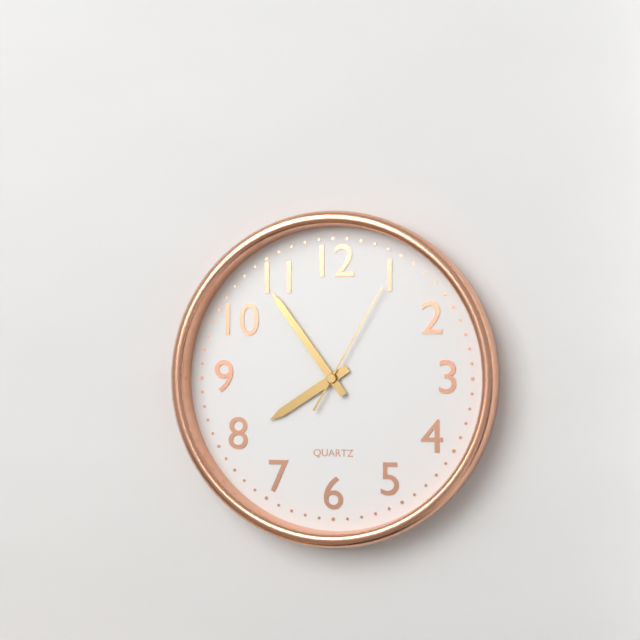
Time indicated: 7h54m05s
